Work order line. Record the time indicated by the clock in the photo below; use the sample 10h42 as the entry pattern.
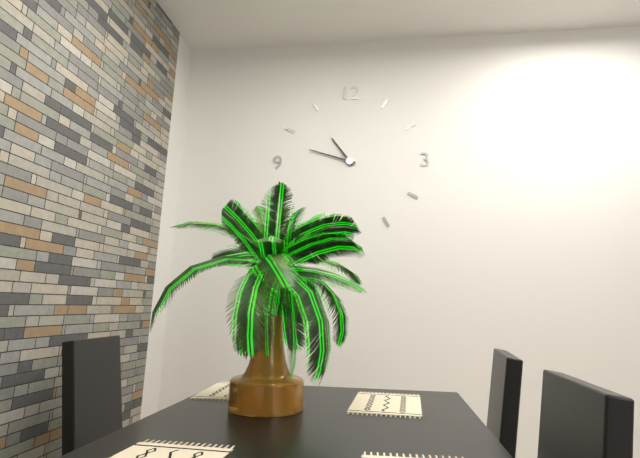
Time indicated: 10h48
